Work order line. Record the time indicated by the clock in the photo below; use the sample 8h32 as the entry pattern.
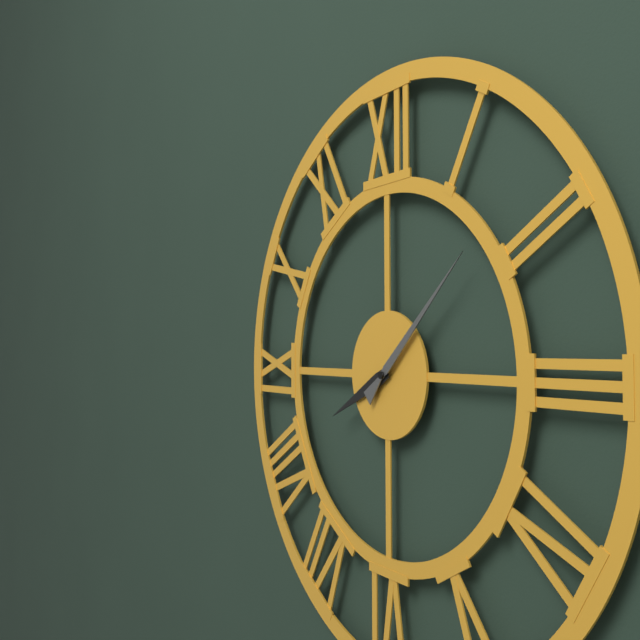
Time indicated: 8h08
